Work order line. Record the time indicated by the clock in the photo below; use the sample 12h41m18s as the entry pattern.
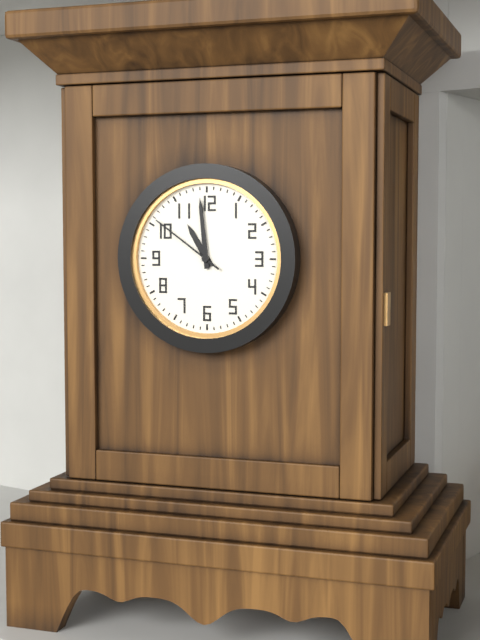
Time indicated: 10h59m51s
